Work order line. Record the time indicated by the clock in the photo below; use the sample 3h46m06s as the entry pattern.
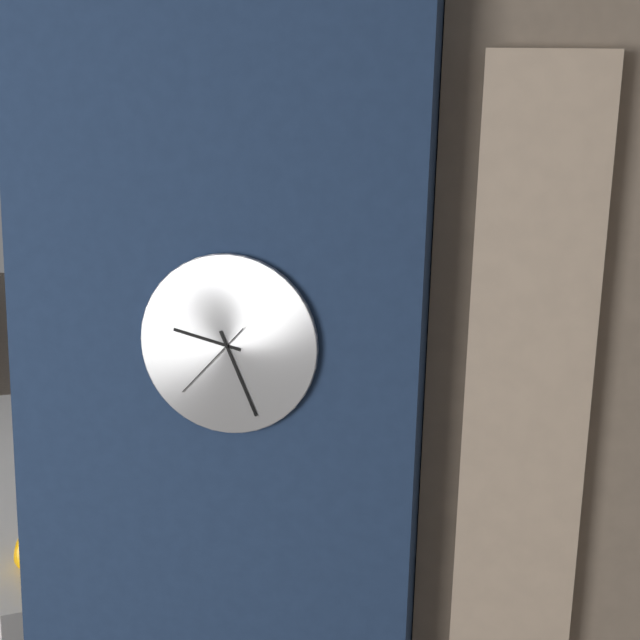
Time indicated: 9h26m37s
